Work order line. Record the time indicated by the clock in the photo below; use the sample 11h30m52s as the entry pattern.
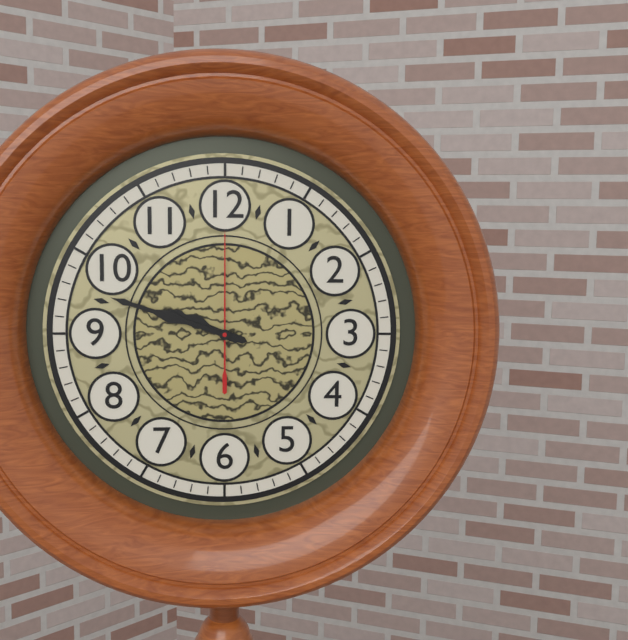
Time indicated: 9h48m00s
